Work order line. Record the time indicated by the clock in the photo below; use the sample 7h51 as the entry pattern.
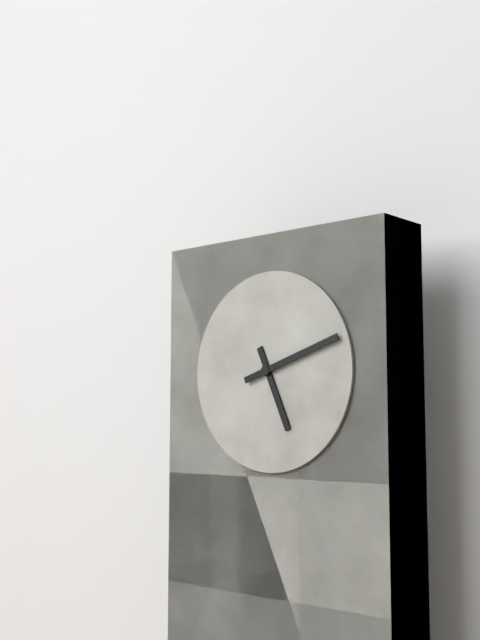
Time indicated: 5h12
